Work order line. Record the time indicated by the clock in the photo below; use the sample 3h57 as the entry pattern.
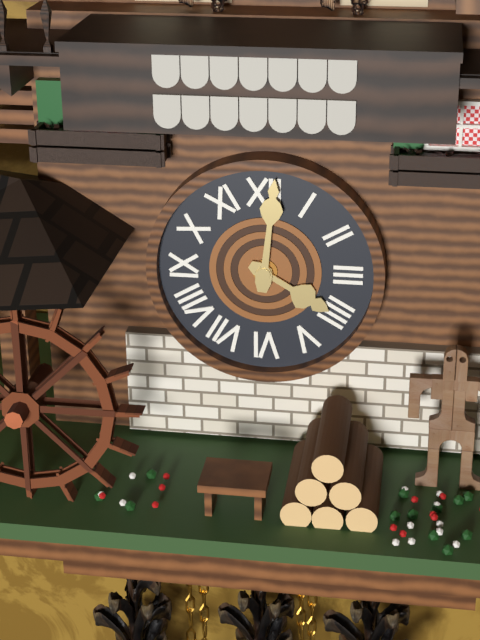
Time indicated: 4h01
